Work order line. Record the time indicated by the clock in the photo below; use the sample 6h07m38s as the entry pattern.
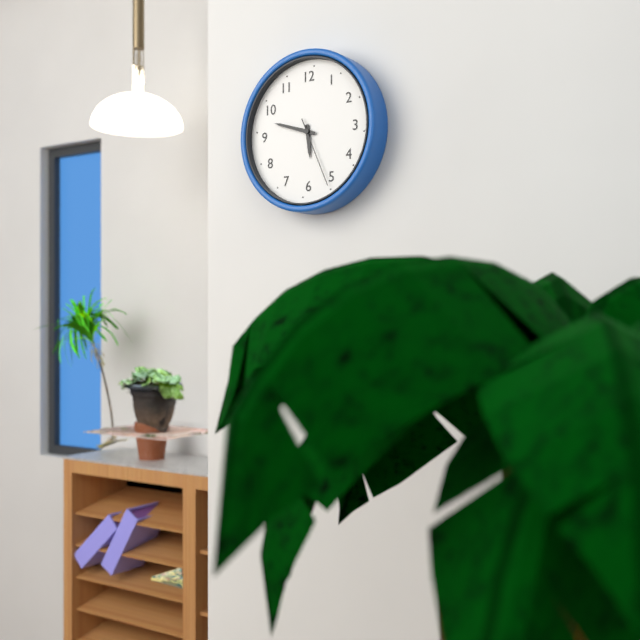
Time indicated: 5h48m26s
